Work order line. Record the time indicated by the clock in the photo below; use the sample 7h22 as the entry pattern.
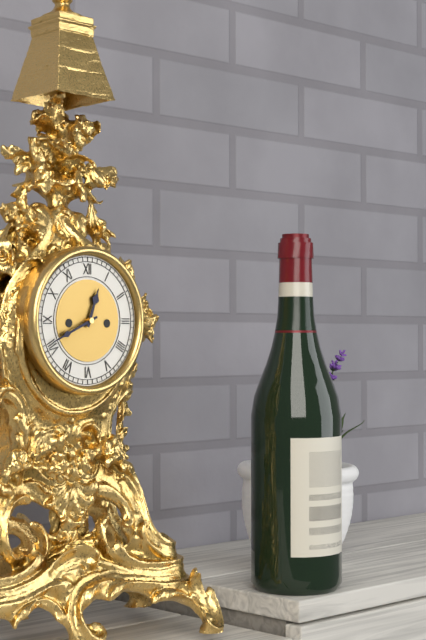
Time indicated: 12h41
